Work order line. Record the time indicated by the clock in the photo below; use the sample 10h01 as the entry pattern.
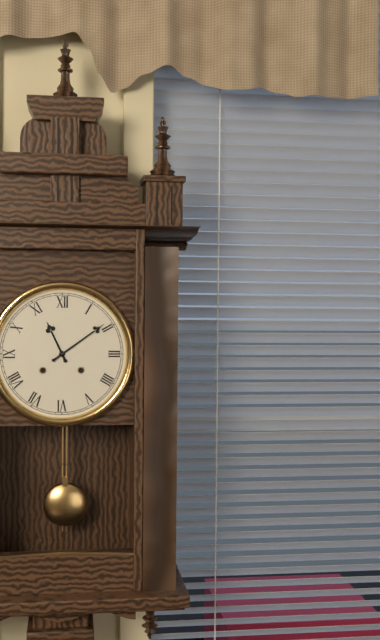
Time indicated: 11h09
